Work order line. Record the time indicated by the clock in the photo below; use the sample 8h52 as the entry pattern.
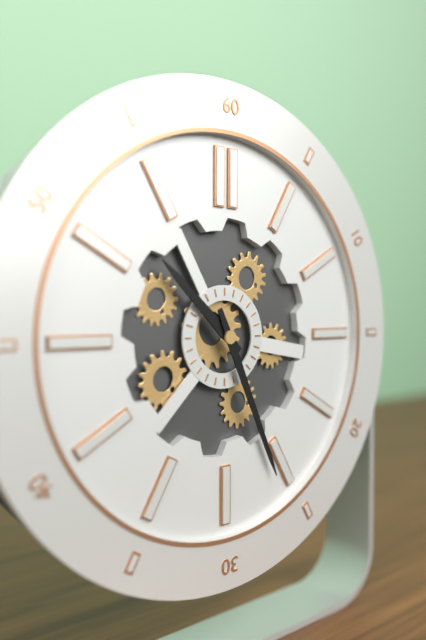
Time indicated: 10h26
